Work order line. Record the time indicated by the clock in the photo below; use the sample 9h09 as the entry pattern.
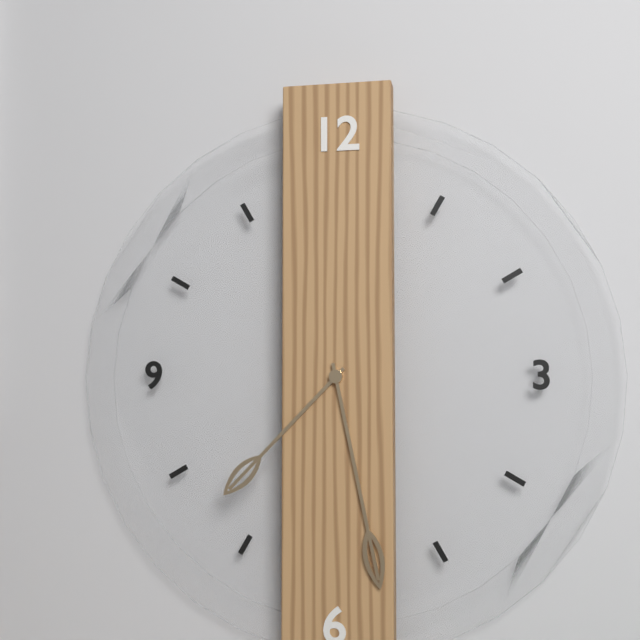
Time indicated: 7h28
